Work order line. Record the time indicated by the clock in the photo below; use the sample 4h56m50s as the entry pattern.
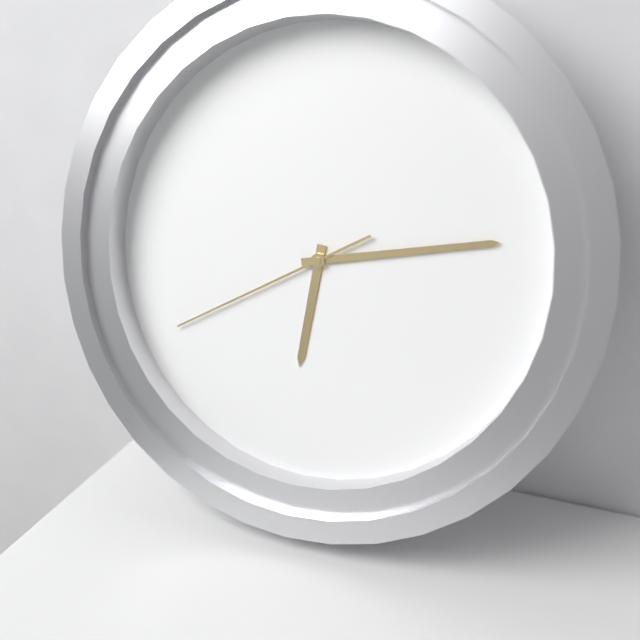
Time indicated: 6h13m40s
